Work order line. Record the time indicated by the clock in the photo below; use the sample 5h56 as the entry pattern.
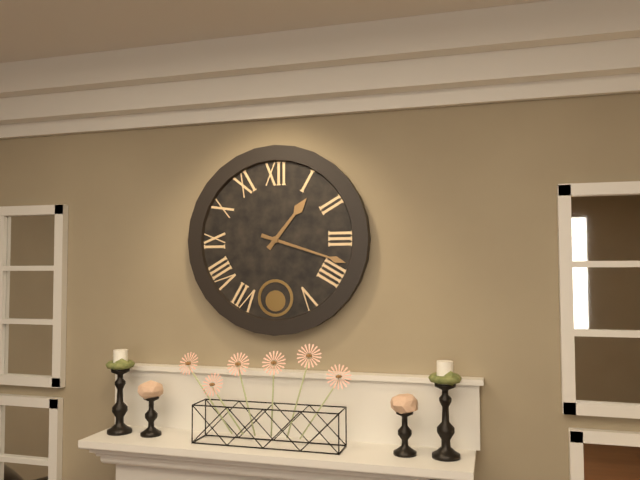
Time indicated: 1h18
